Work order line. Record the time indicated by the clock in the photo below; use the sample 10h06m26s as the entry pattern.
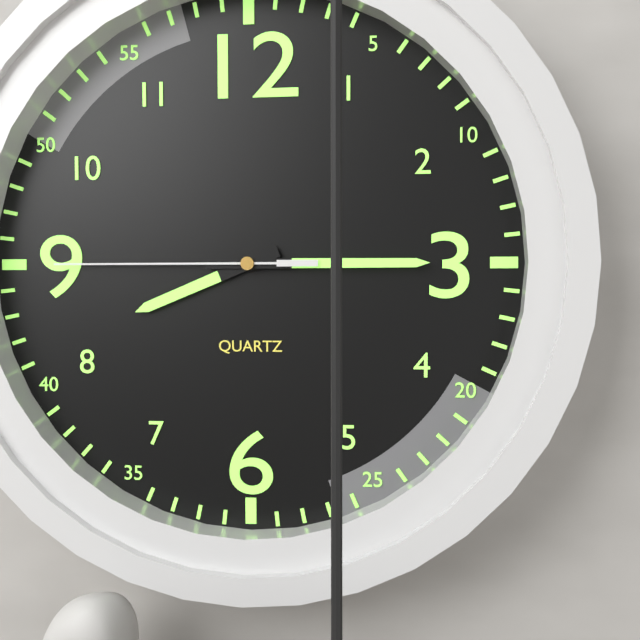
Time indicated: 8h15m45s
